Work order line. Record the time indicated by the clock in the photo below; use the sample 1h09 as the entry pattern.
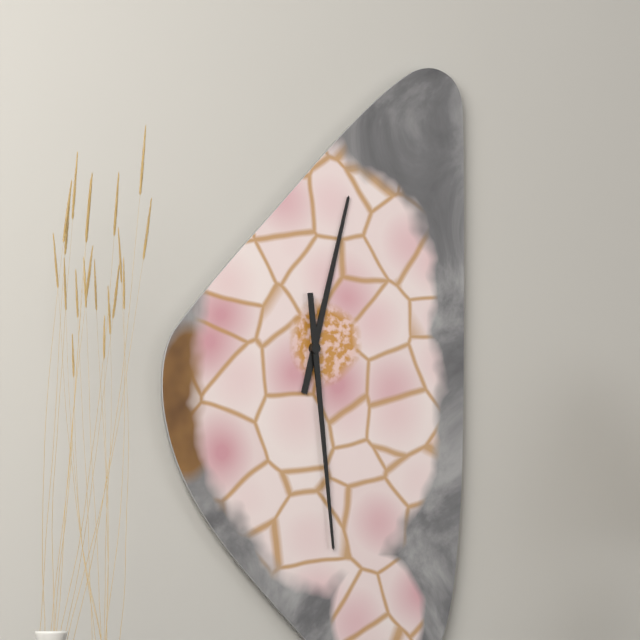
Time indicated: 12h29
